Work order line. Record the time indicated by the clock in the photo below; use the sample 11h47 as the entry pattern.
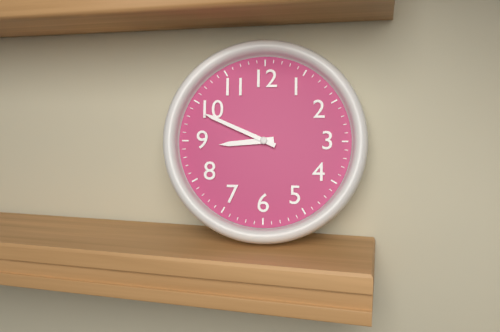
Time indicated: 8h49
